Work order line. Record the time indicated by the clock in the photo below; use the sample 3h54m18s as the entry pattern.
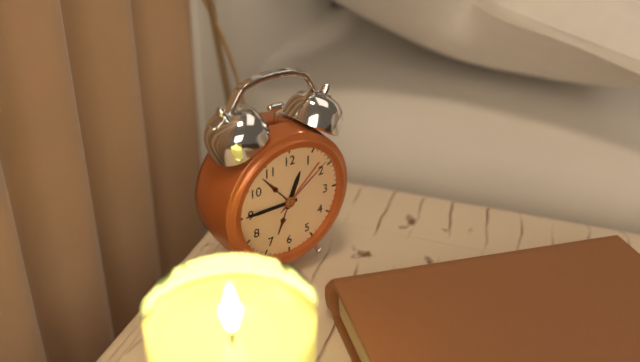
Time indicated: 12h45m09s
